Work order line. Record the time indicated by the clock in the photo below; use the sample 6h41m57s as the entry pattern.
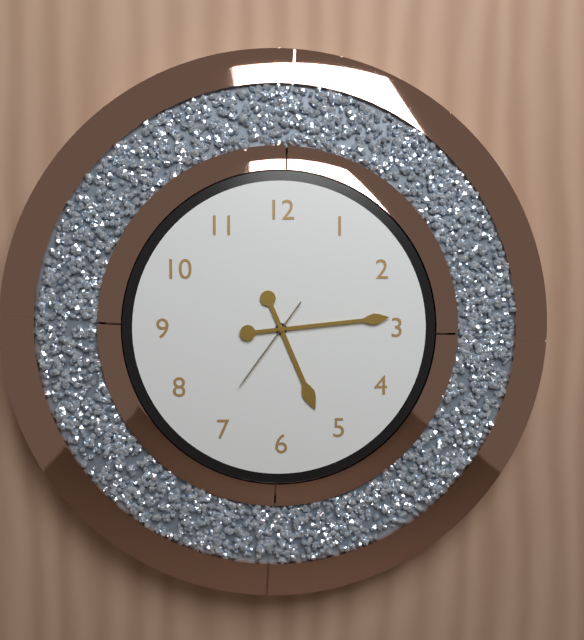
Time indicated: 5h14m36s
